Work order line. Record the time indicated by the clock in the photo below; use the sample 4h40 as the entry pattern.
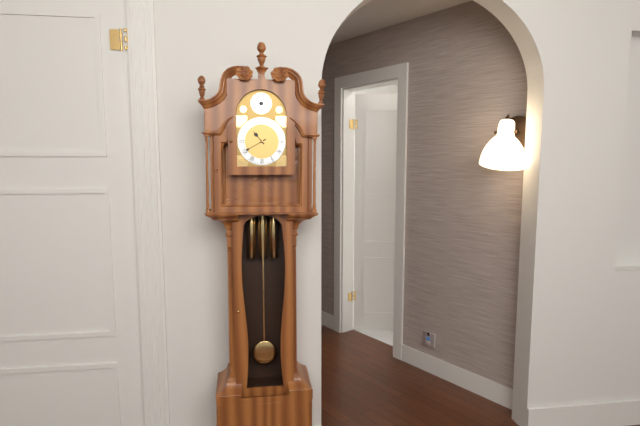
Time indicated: 10h40
